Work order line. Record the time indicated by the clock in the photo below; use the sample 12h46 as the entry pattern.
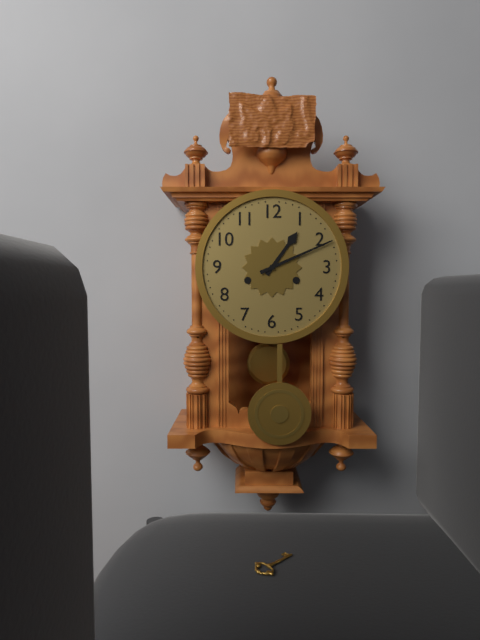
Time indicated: 1h11
